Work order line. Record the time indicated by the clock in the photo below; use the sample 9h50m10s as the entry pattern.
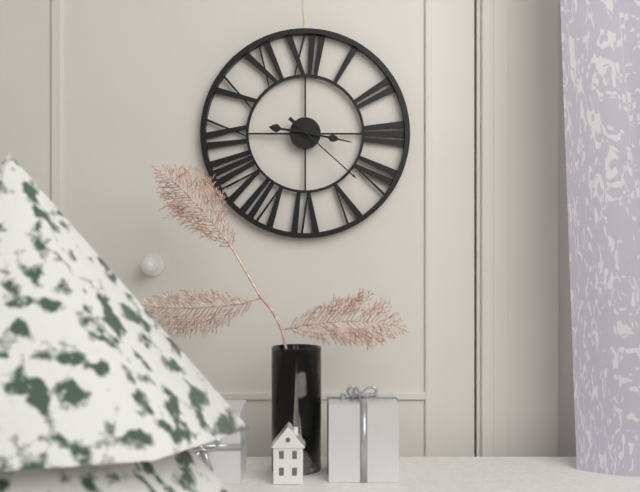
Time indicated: 9h17m22s
